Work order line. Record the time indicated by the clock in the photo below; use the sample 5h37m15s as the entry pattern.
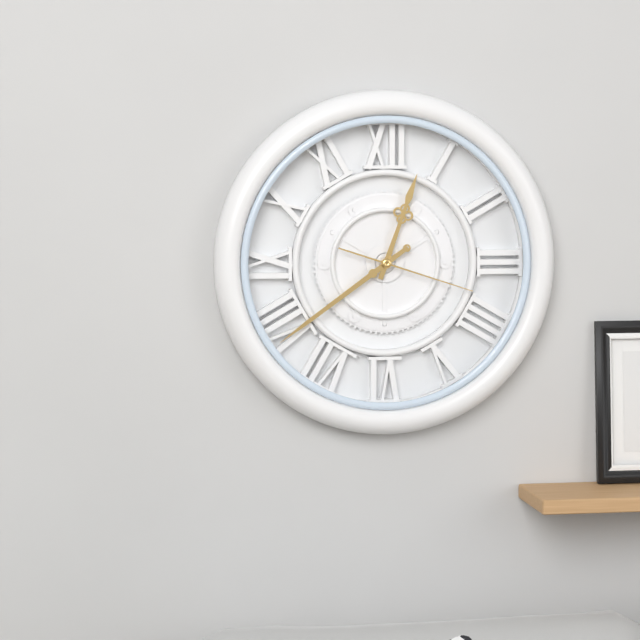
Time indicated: 12h39m18s
